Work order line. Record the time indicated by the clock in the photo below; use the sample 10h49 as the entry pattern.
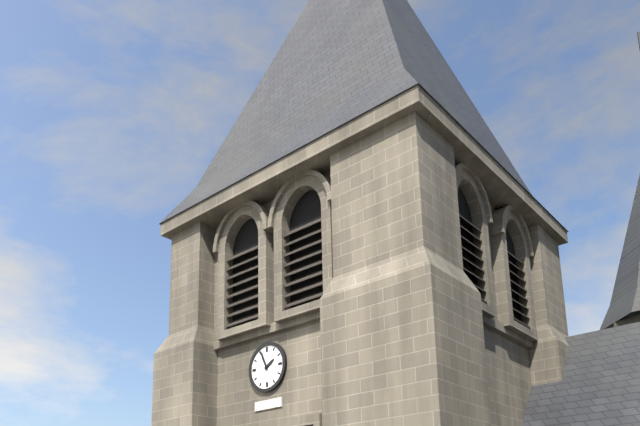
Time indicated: 1h56
